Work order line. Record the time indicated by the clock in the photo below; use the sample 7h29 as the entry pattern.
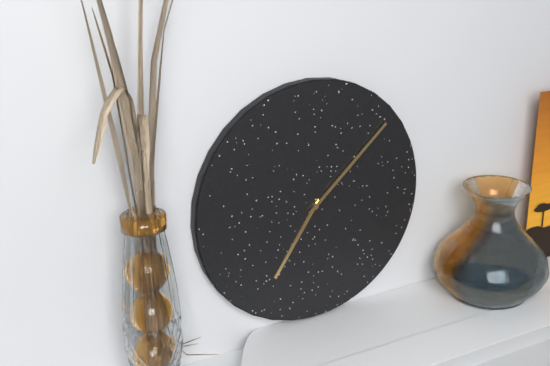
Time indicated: 7h08
